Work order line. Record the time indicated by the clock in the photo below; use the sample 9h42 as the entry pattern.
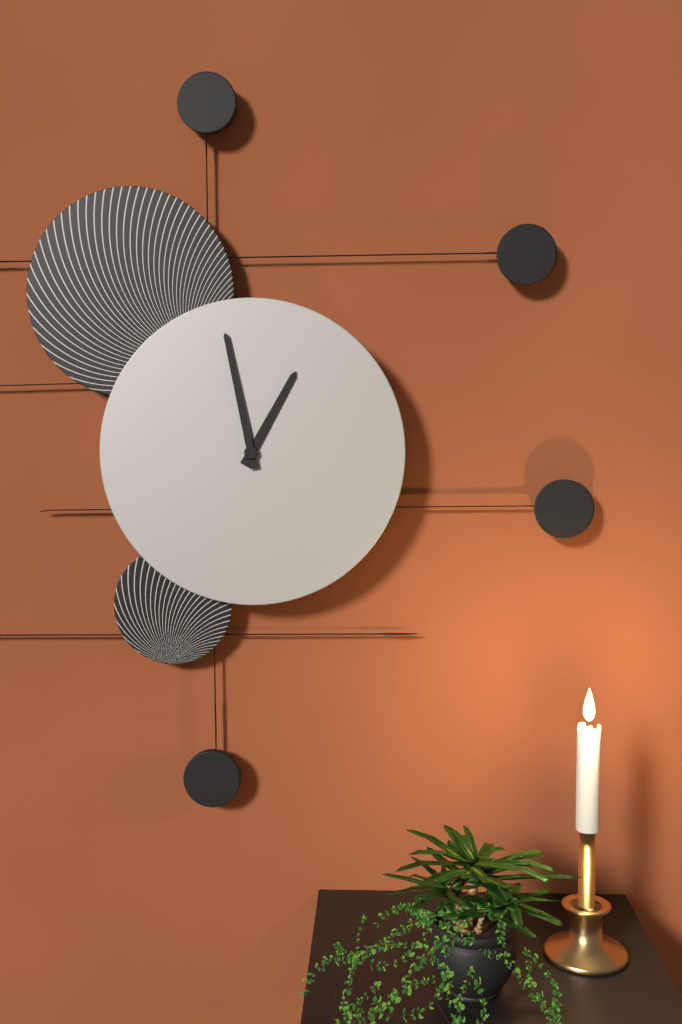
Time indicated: 12h58
